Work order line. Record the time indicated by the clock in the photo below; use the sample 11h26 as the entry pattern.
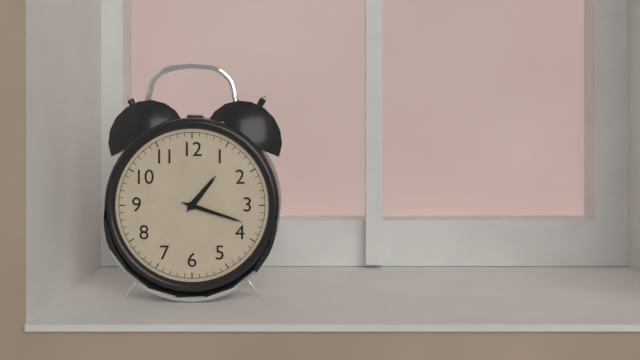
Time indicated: 1h18
